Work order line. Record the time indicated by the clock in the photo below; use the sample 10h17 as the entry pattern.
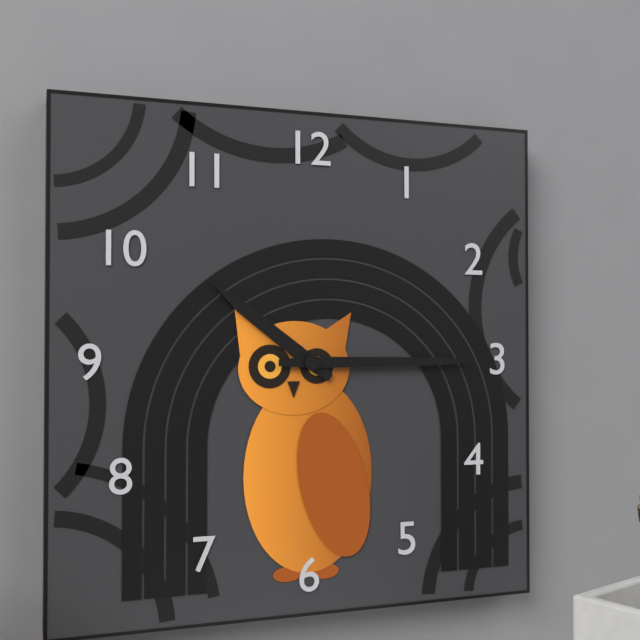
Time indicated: 10h15
